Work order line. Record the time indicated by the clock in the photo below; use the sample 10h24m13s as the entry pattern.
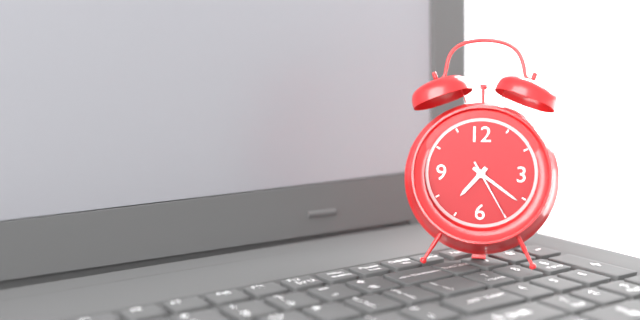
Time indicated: 7h21m25s
